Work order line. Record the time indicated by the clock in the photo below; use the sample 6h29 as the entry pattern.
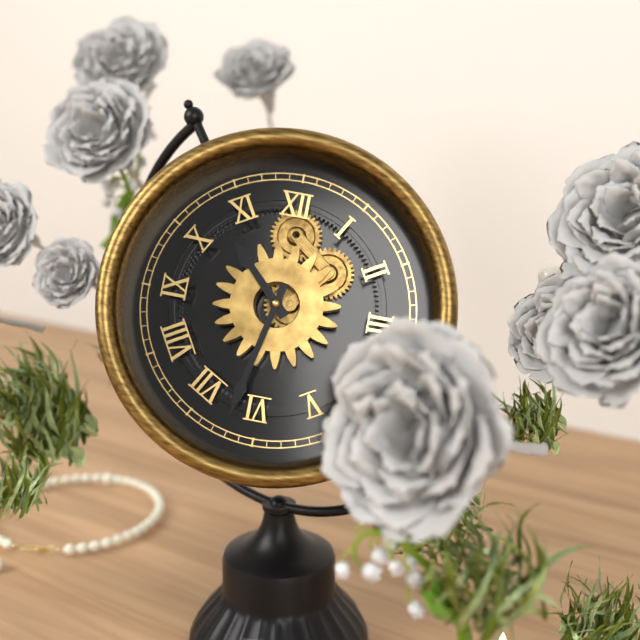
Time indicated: 10h32
